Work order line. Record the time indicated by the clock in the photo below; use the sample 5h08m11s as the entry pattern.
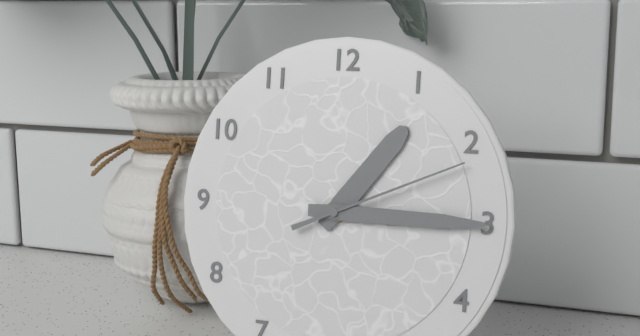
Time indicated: 1h15m11s
